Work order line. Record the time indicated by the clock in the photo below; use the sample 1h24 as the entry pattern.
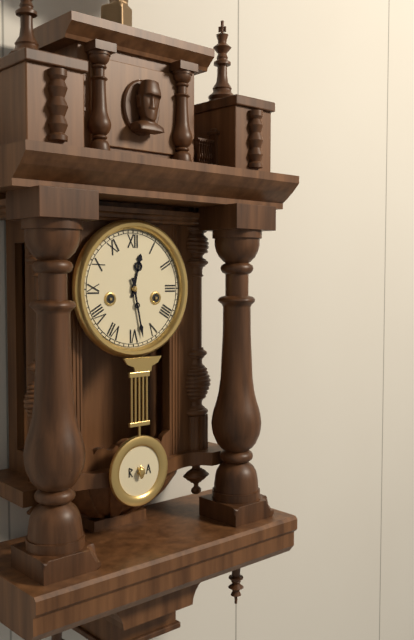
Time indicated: 12h28
